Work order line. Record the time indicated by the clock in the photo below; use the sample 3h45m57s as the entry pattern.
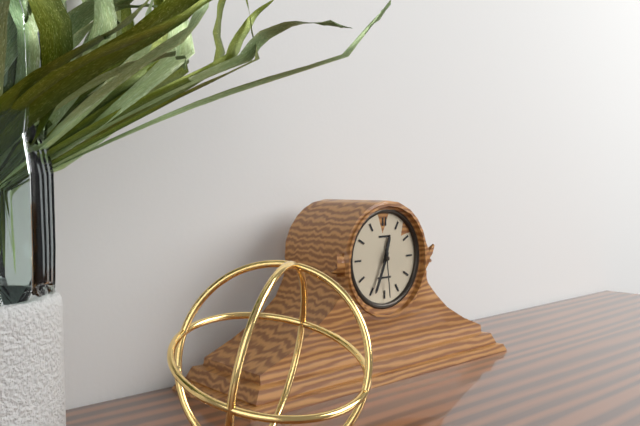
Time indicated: 12h34m29s
